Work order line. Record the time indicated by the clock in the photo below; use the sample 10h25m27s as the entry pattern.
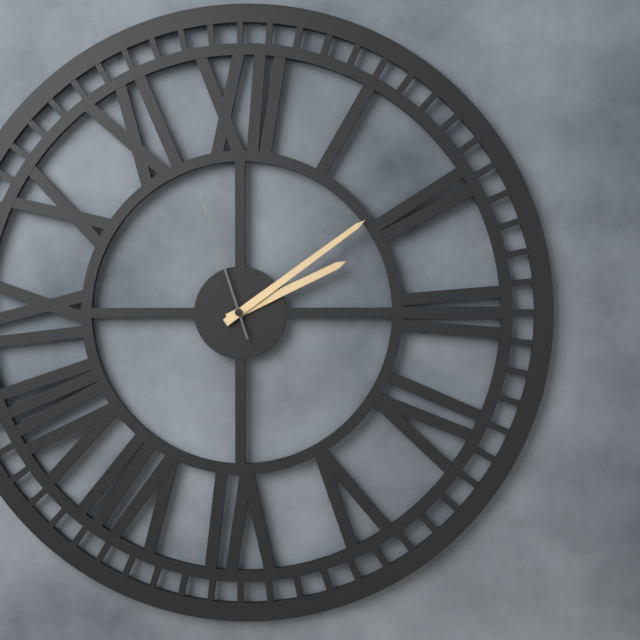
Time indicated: 2h09m57s
